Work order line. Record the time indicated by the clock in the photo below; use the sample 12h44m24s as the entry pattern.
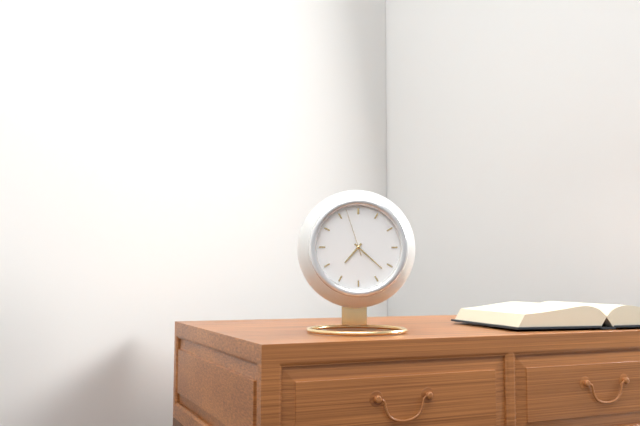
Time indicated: 7h22m57s
